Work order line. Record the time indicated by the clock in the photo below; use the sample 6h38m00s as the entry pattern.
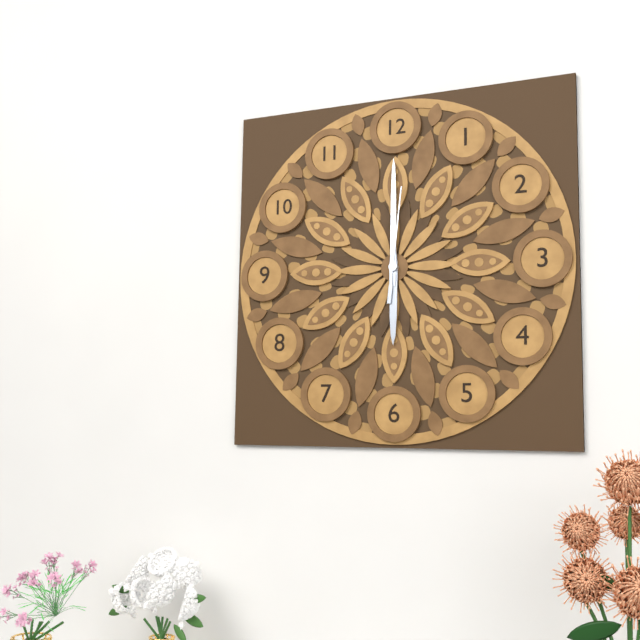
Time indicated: 6h00m01s
